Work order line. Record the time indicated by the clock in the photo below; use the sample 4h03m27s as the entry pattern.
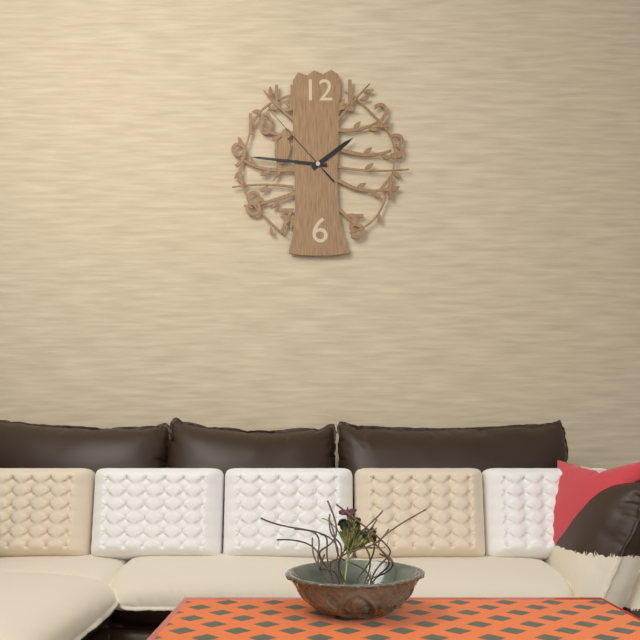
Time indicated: 1h46m53s
